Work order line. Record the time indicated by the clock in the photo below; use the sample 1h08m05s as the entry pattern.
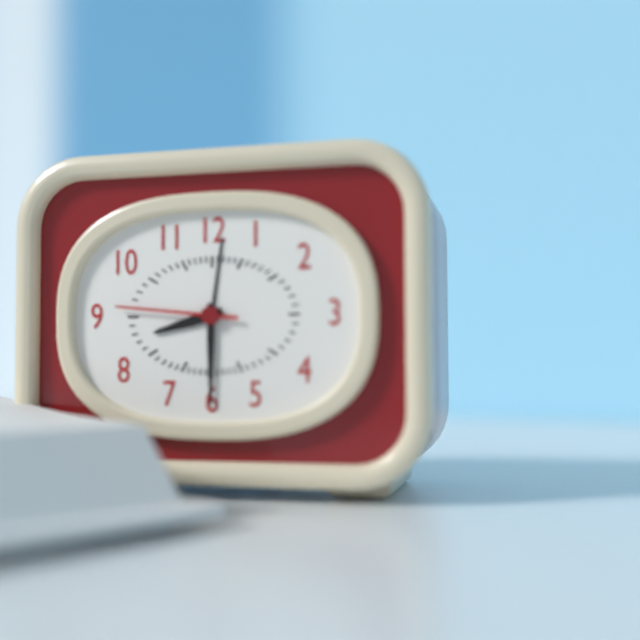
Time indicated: 8h30m46s
